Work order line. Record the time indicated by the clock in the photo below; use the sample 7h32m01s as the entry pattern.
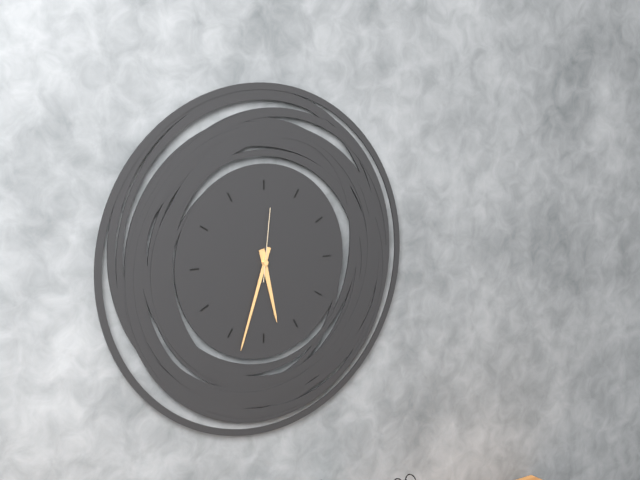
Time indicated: 5h33m01s
